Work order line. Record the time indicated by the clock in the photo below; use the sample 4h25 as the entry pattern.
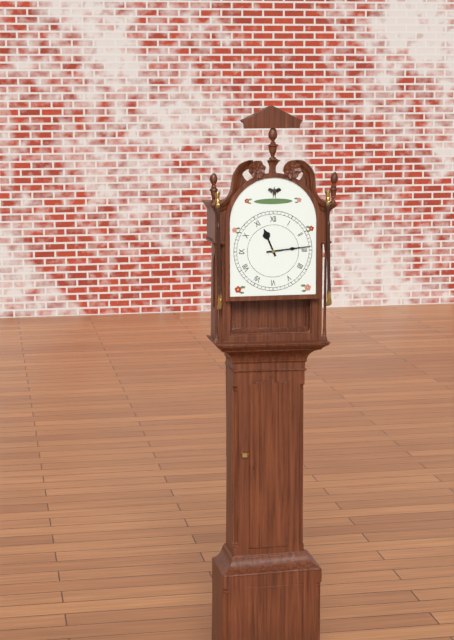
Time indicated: 11h14
